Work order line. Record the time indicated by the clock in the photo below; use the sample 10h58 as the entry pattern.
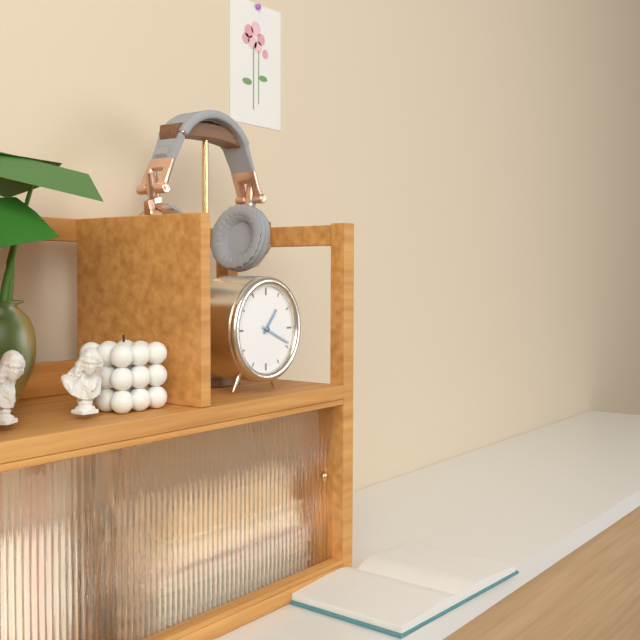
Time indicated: 1h19
